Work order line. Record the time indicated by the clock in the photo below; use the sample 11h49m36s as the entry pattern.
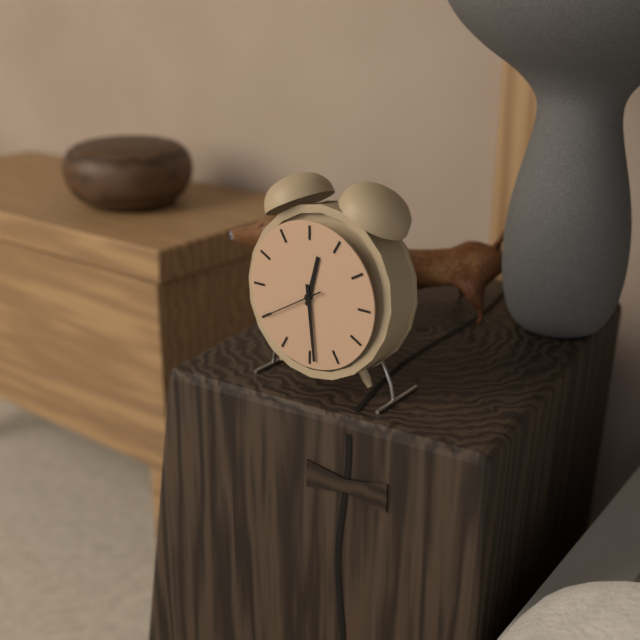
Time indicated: 12h29m40s
